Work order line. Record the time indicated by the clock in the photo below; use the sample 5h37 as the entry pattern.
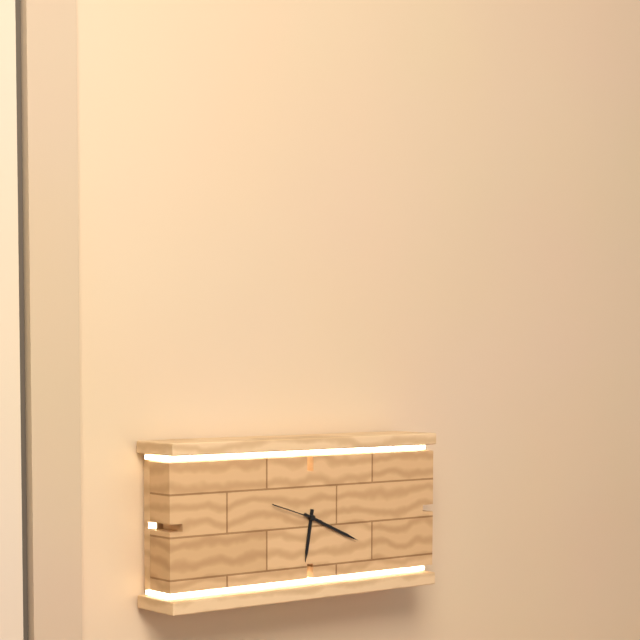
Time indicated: 6h19
